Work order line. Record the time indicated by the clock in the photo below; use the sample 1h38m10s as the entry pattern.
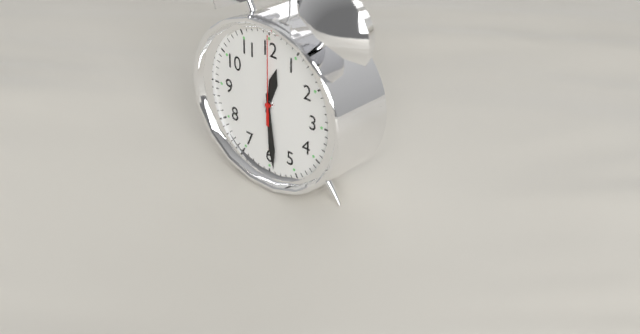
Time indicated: 12h29m00s
